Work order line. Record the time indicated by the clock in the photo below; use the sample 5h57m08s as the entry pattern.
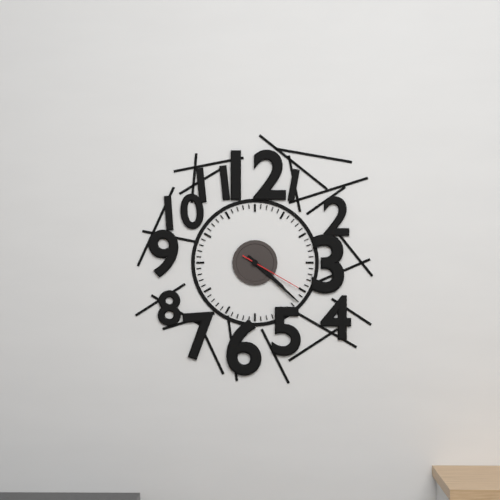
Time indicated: 4h22m20s
